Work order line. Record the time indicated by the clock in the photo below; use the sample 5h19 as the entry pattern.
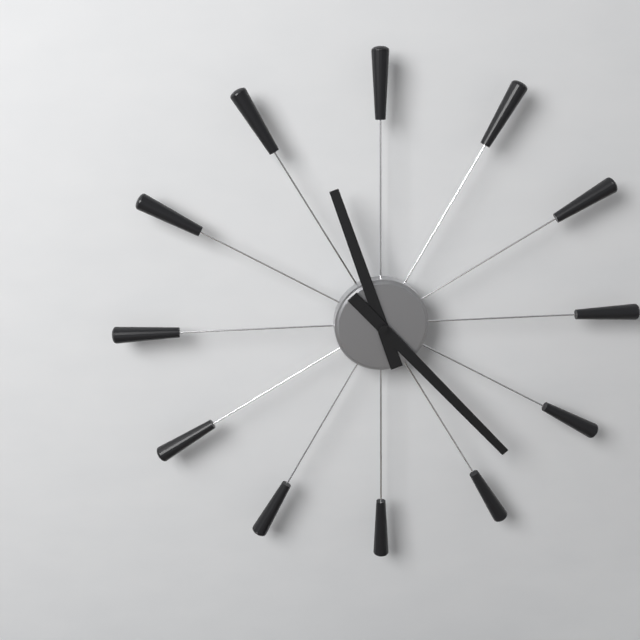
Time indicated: 11h23
